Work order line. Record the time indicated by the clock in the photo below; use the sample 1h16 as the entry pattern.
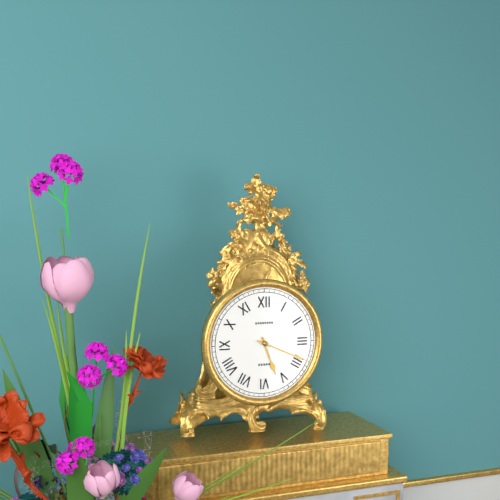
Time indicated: 5h19
